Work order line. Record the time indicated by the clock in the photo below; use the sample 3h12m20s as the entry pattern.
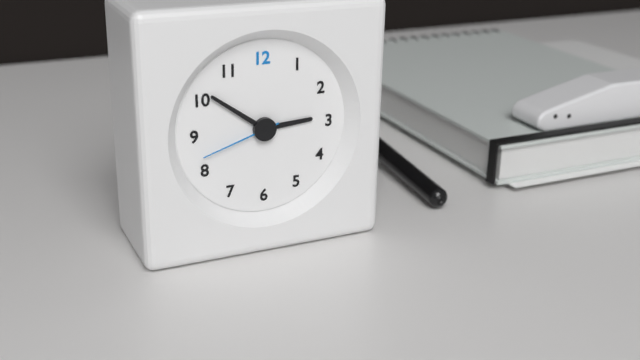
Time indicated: 2h51m42s
